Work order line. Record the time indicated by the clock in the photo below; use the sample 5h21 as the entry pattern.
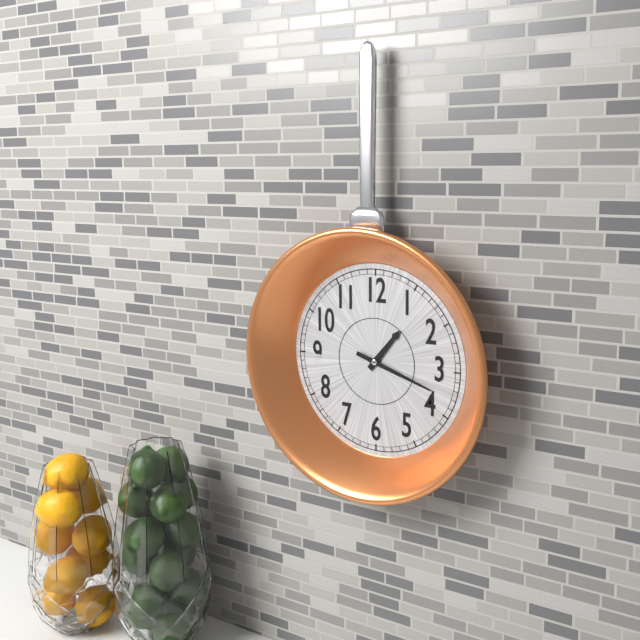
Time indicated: 1h18
